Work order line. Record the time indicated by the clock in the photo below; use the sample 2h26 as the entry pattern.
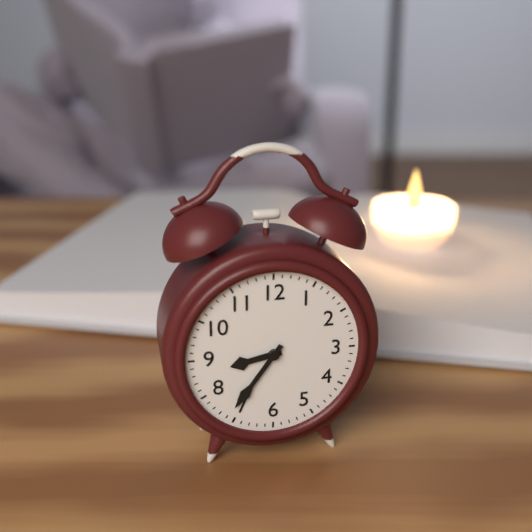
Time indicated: 8h36
